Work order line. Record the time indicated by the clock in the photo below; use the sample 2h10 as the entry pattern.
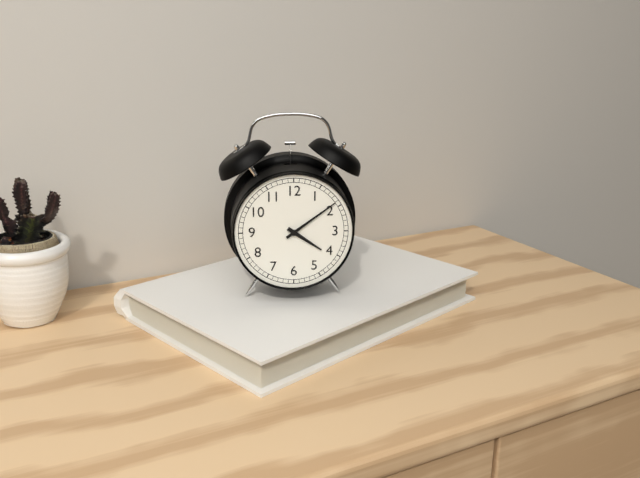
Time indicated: 4h09
